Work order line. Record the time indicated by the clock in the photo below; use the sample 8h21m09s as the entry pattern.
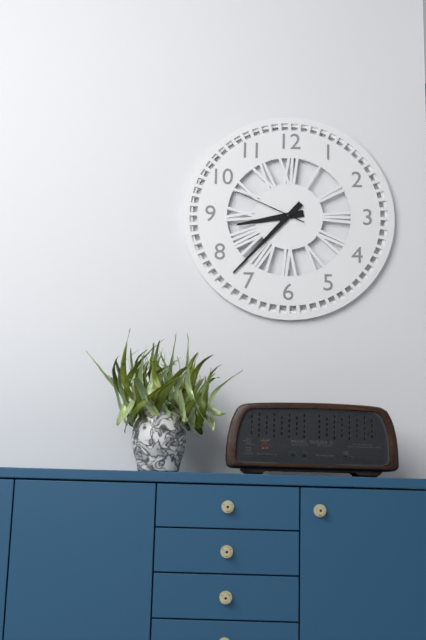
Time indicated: 8h37m49s
